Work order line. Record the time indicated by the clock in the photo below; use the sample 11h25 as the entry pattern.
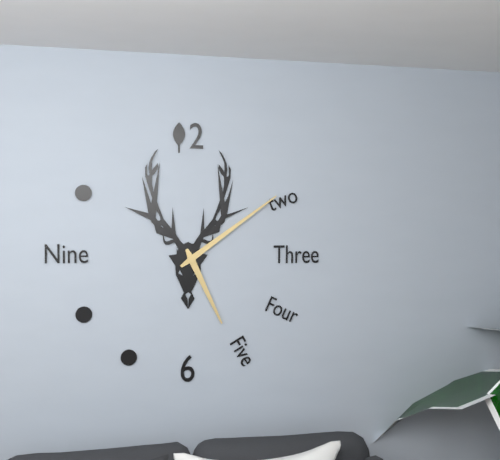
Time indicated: 5h09
